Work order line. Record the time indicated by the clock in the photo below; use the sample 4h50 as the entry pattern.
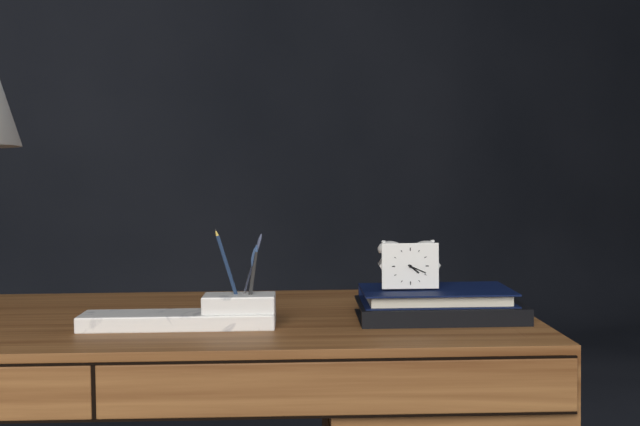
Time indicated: 4h19
